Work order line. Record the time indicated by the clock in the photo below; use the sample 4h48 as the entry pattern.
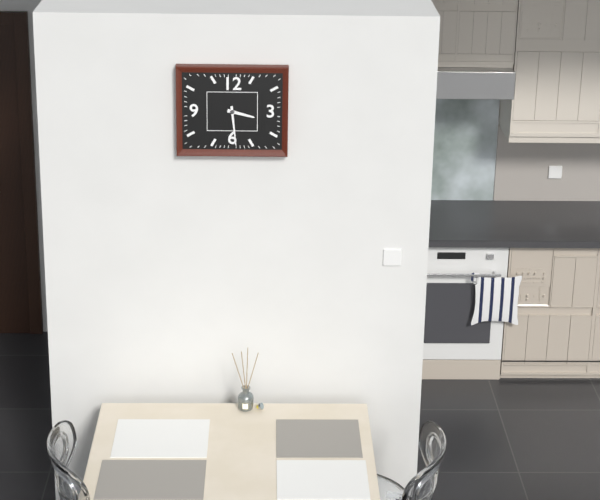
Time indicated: 3h29
